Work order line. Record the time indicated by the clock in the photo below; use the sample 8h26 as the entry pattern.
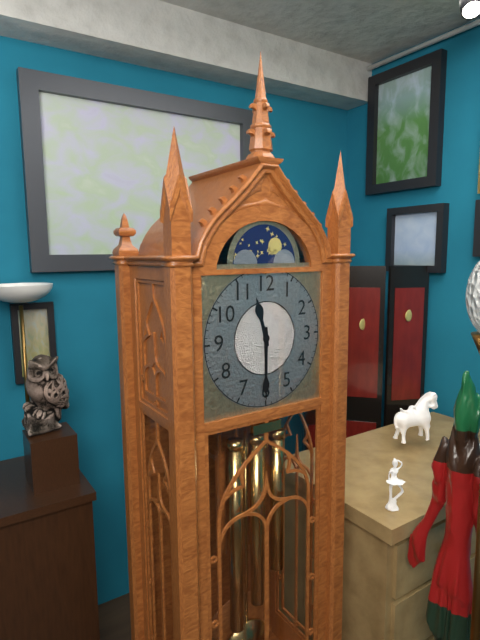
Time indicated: 11h30
